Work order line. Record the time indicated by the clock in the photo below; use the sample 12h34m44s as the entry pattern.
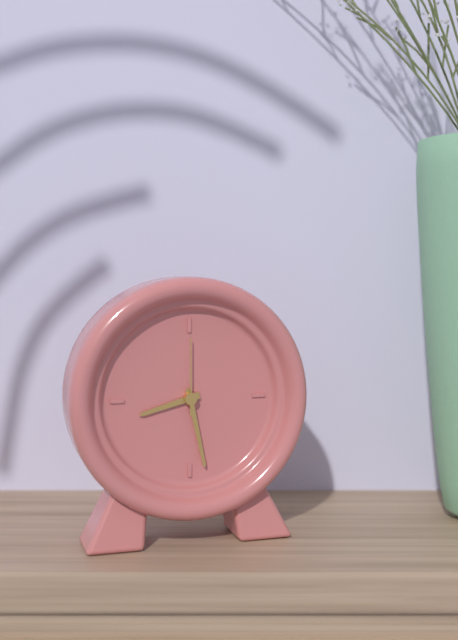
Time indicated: 8h28m00s
